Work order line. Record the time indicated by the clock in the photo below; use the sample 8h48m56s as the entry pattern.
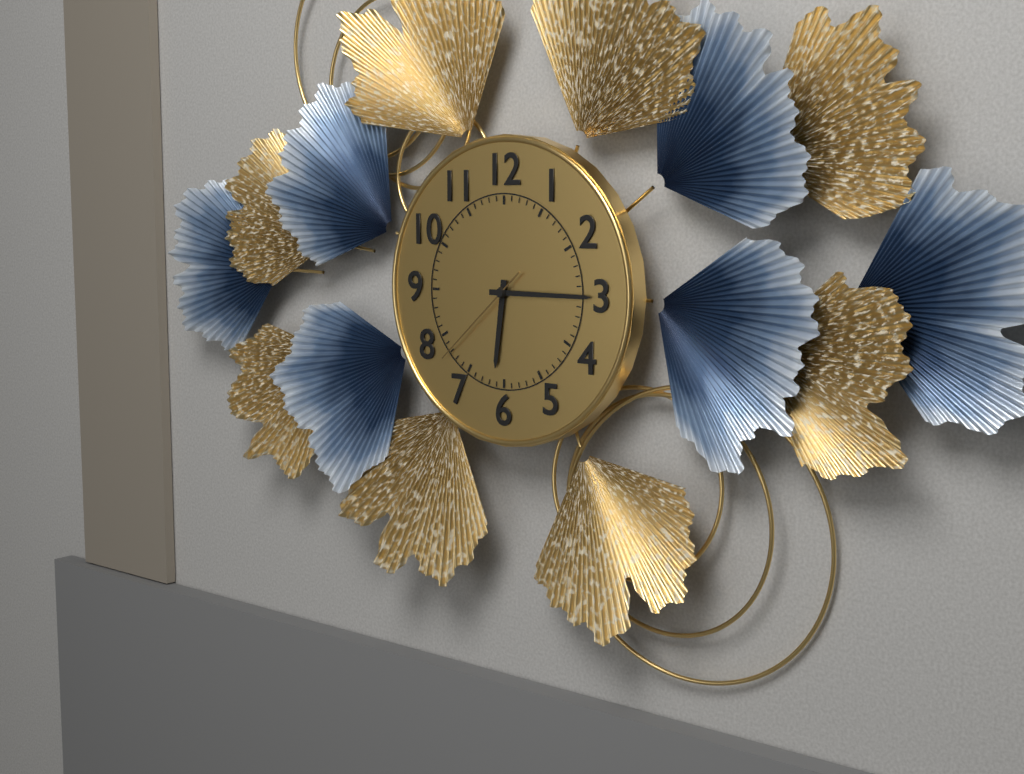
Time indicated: 6h15m38s
